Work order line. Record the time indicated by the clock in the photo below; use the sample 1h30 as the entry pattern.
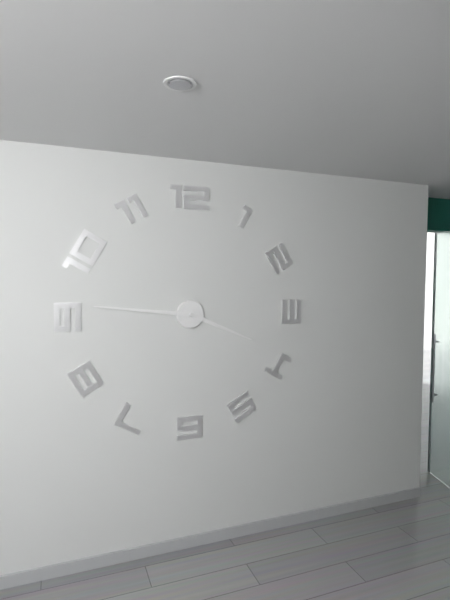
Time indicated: 3h46
